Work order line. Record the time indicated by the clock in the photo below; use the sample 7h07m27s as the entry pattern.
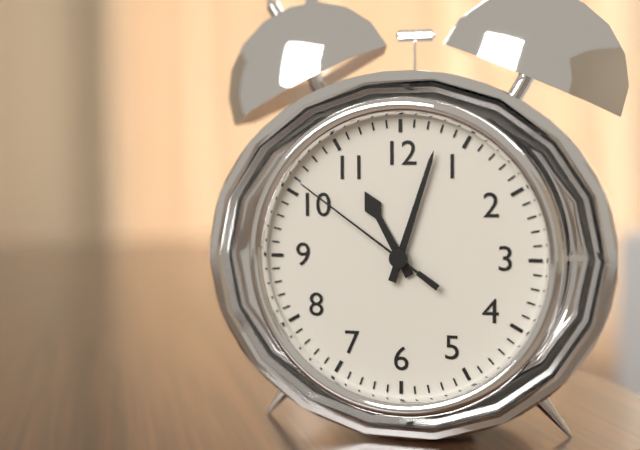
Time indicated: 11h03m51s
